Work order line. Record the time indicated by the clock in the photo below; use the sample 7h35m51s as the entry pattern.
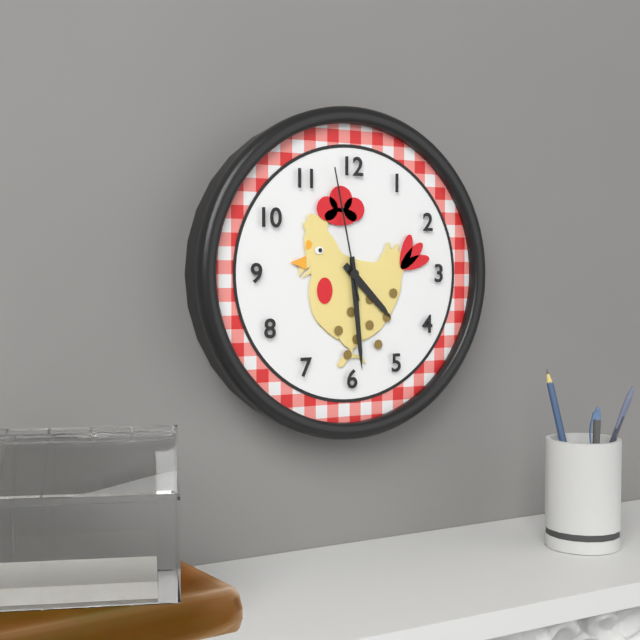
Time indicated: 4h29m58s
